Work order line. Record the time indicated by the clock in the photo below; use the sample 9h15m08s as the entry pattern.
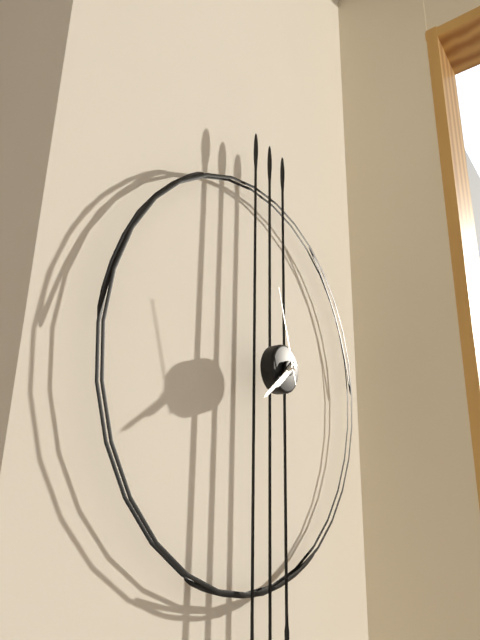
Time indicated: 7h39m57s
